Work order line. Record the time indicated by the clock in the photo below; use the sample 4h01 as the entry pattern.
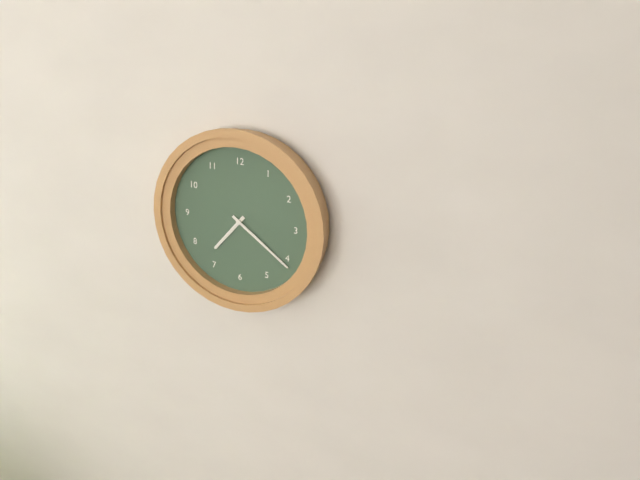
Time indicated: 7h21
